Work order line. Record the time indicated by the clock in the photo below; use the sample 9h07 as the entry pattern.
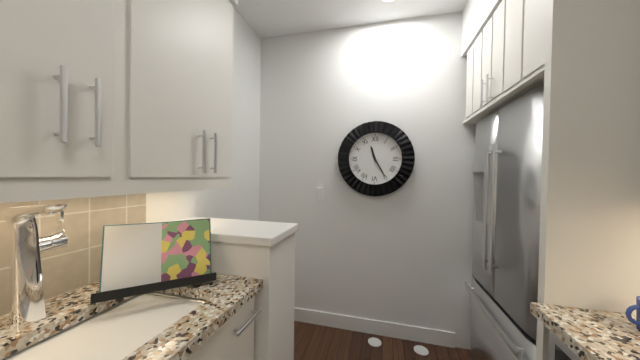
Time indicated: 11h25
